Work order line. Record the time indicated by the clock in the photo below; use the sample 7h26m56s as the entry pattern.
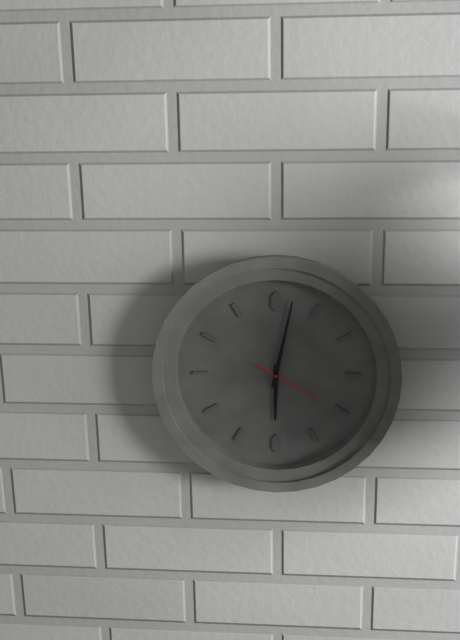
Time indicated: 6h02m20s
